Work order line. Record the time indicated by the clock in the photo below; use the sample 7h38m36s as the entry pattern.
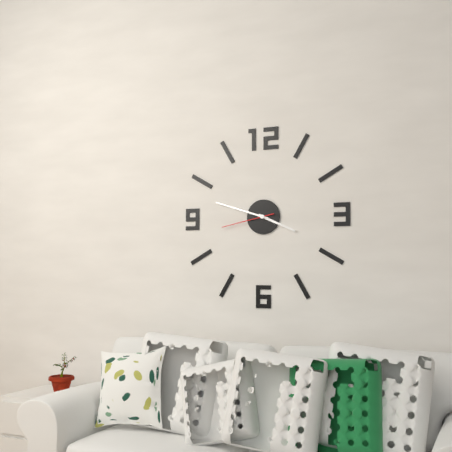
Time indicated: 3h48m43s
